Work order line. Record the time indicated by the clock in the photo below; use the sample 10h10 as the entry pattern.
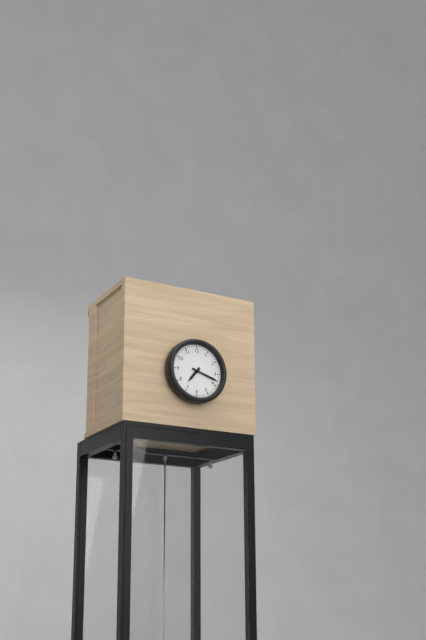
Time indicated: 7h18
